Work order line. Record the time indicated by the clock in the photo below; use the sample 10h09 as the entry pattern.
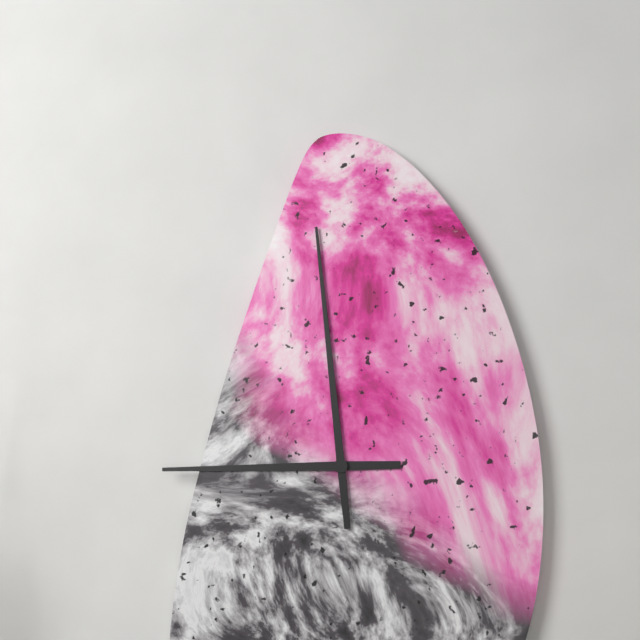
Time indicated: 8h59
